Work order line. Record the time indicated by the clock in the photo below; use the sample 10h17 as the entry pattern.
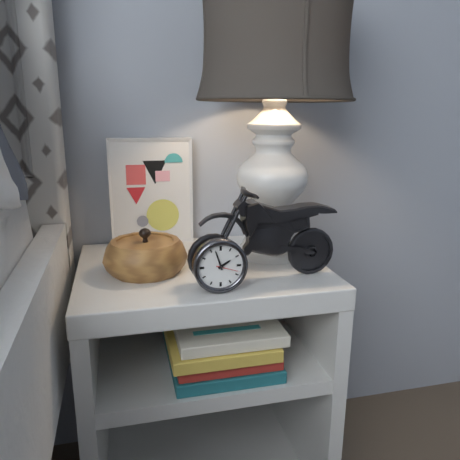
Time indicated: 1h57
